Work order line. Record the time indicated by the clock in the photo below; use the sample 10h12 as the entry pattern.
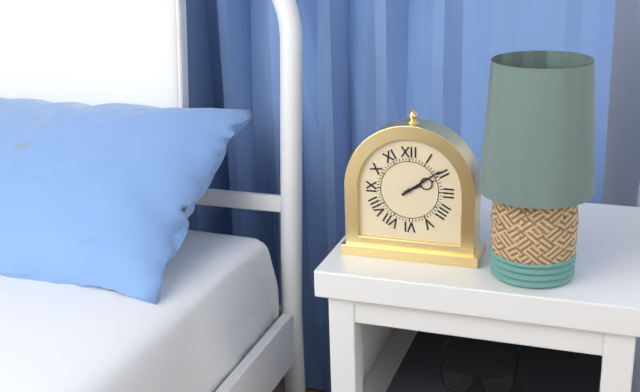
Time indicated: 2h09
